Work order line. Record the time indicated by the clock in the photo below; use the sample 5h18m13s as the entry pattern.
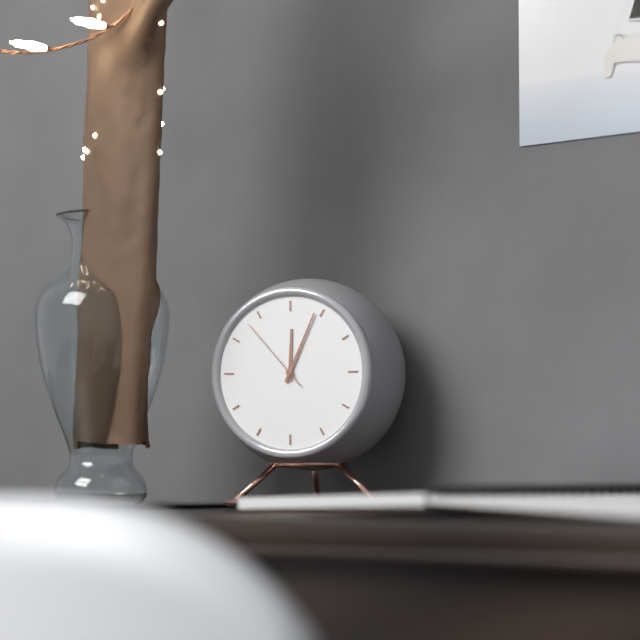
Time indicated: 12h04m53s
